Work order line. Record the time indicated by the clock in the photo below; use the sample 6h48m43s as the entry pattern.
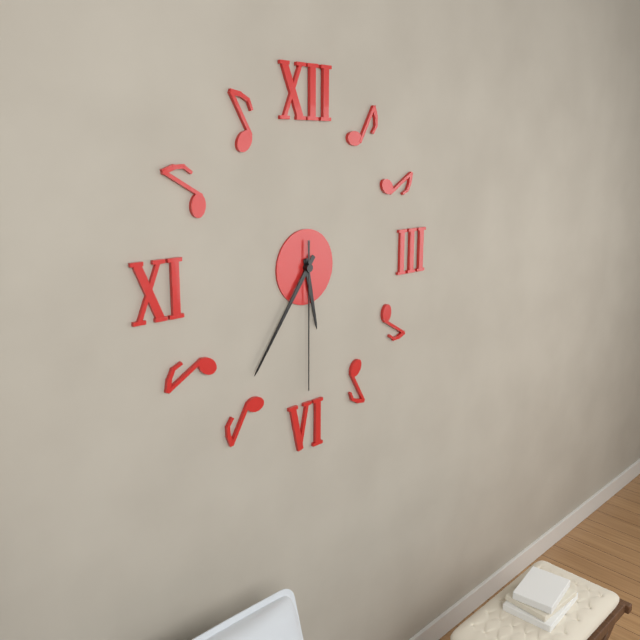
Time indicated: 5h36m30s
